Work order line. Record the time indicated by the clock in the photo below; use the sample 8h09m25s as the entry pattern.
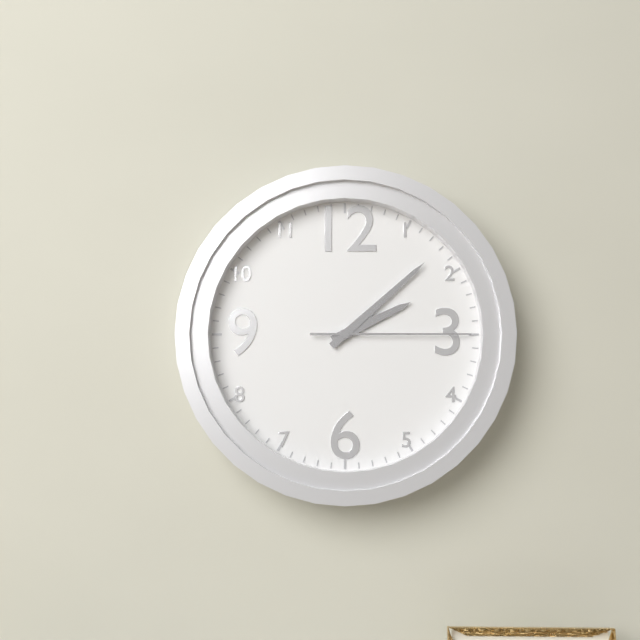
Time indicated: 2h08m15s
